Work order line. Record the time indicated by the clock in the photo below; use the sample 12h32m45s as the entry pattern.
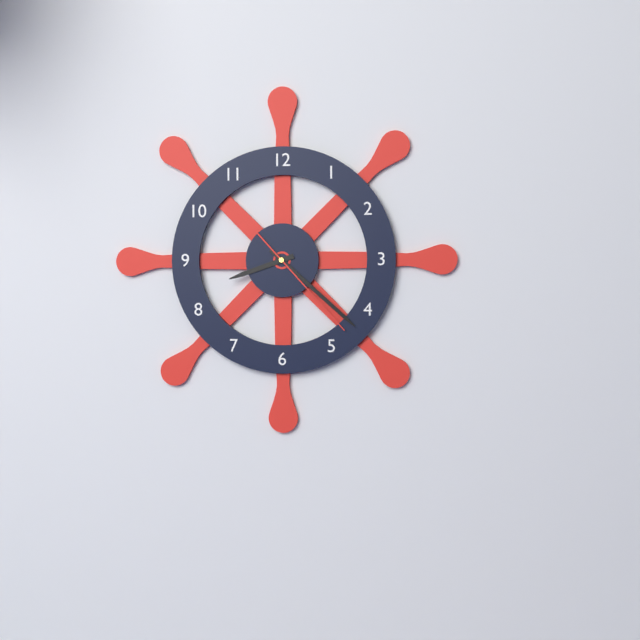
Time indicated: 8h22m23s
